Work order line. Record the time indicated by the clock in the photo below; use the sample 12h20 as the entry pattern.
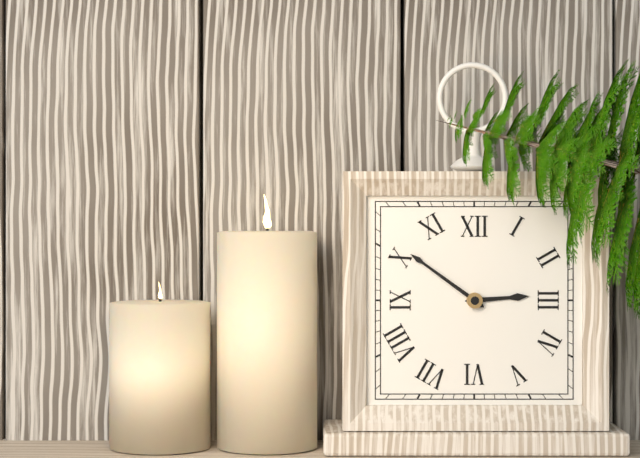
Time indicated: 2h51
